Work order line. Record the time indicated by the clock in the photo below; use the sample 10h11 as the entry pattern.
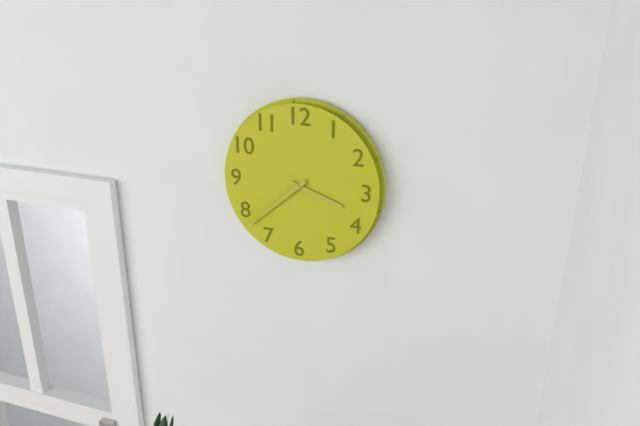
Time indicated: 3h38
